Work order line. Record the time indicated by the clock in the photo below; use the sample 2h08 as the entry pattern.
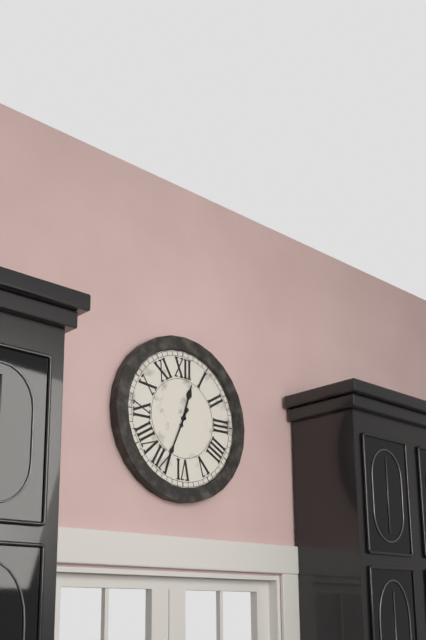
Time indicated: 12h34
